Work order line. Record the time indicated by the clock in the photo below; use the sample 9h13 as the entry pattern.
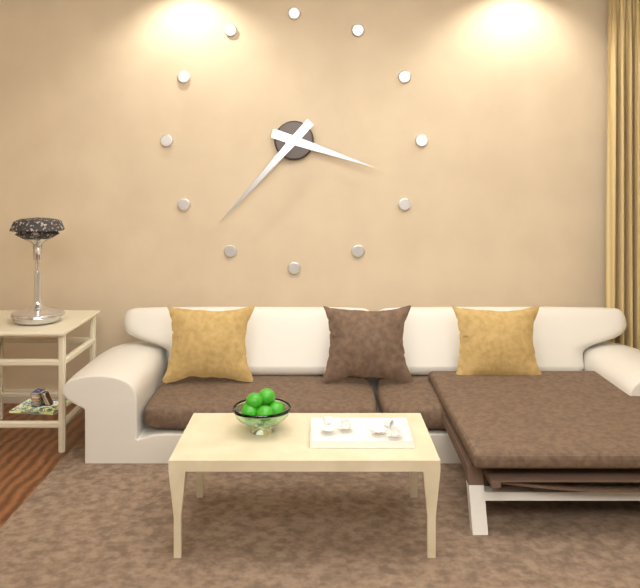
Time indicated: 3h37
